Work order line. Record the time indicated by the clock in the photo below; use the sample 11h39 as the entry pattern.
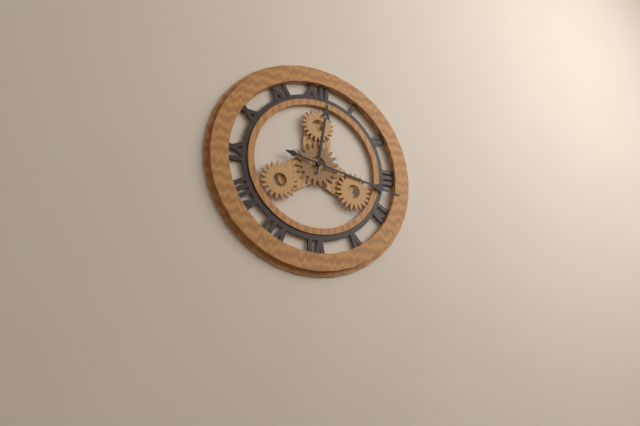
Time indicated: 12h17
